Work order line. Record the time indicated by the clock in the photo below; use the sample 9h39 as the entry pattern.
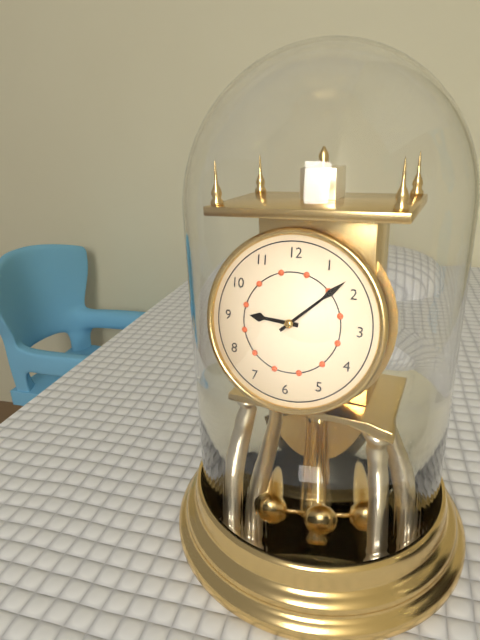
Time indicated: 9h08
